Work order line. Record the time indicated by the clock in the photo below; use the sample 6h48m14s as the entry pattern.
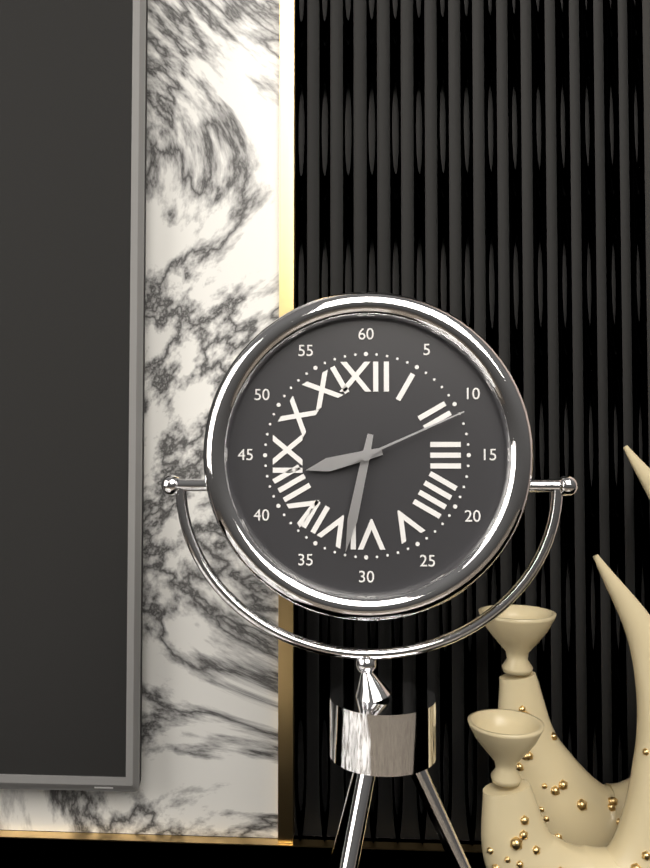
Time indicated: 8h32m11s
